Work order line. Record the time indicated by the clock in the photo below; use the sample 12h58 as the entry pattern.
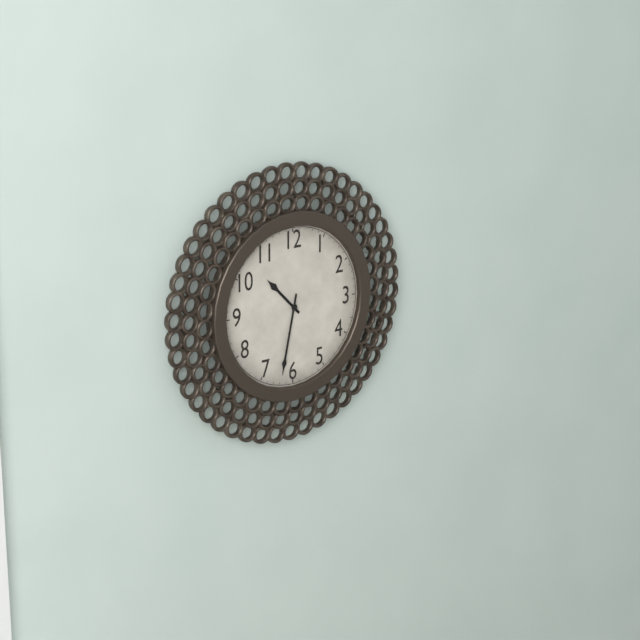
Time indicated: 10h32
